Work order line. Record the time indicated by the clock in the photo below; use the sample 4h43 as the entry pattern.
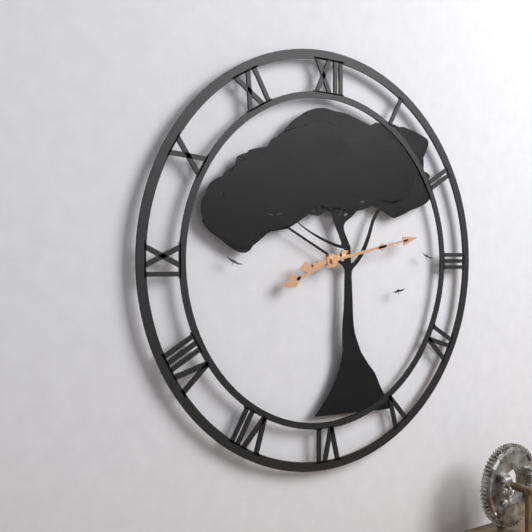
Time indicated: 8h13
